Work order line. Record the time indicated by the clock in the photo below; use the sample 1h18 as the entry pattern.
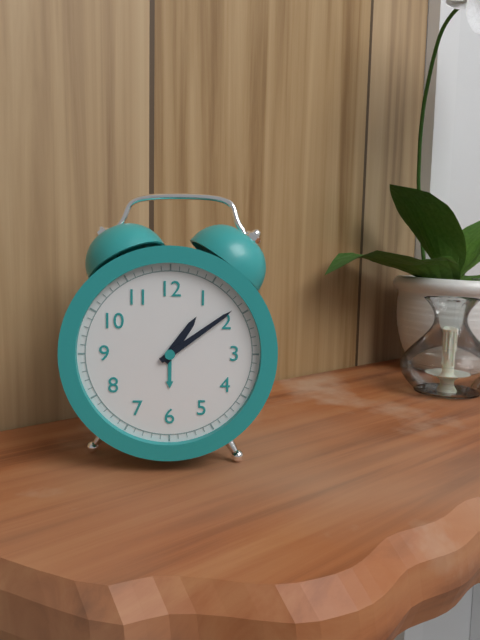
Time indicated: 1h09
